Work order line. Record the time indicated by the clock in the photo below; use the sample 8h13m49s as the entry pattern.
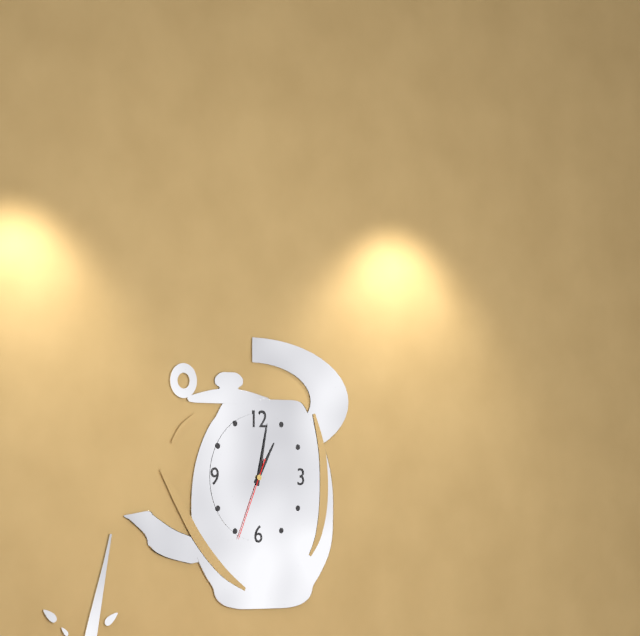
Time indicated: 1h02m34s
